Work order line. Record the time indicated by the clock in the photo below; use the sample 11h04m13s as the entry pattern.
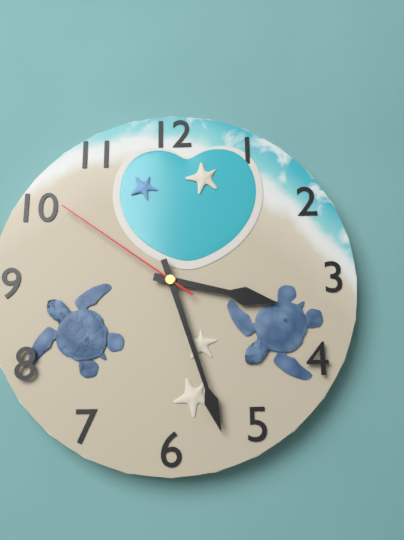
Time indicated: 3h27m51s
